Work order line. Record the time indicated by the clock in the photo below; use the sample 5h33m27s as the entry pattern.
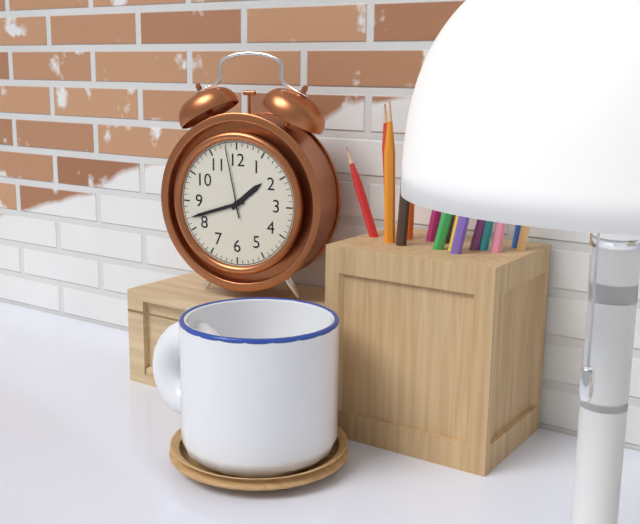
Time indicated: 1h42m58s
